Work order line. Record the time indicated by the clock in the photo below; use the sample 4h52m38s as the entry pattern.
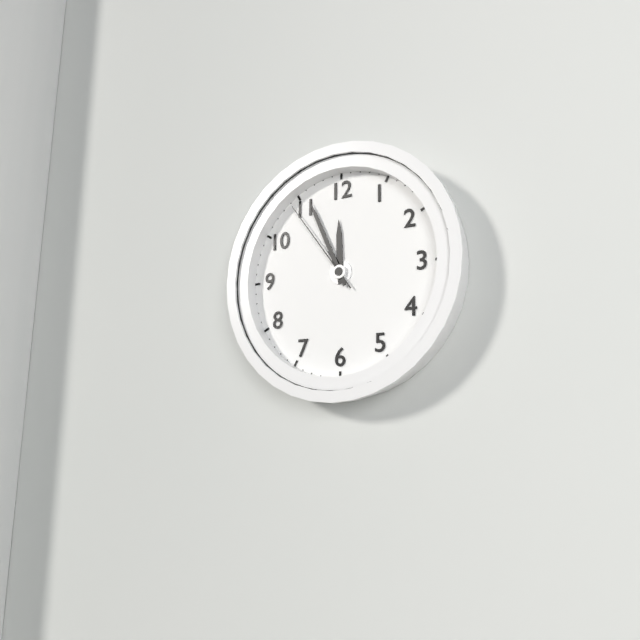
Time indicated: 11h56m54s
